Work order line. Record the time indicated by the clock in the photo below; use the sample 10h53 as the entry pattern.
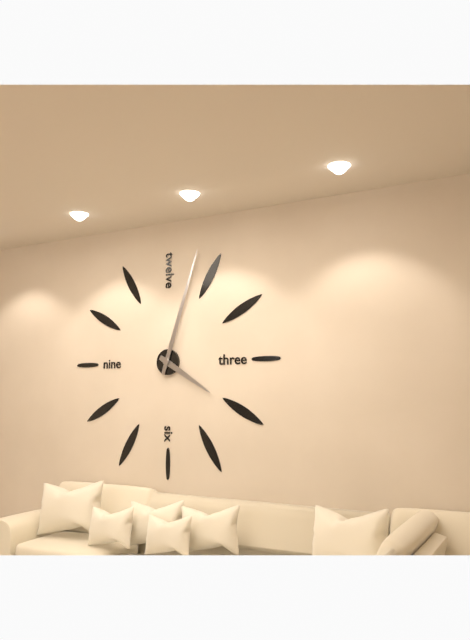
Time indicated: 4h03
